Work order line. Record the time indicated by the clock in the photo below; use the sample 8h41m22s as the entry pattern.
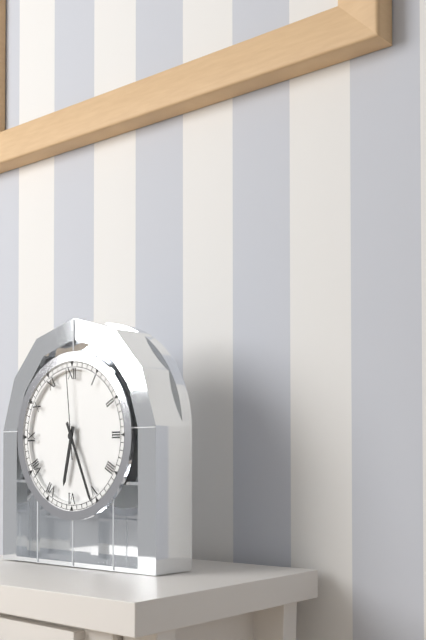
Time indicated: 6h26m59s
